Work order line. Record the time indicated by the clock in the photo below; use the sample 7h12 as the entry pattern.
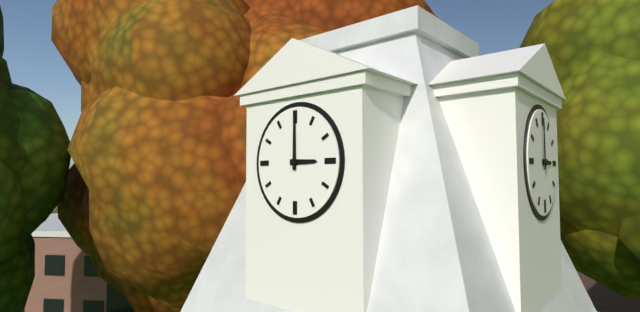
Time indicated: 3h00
